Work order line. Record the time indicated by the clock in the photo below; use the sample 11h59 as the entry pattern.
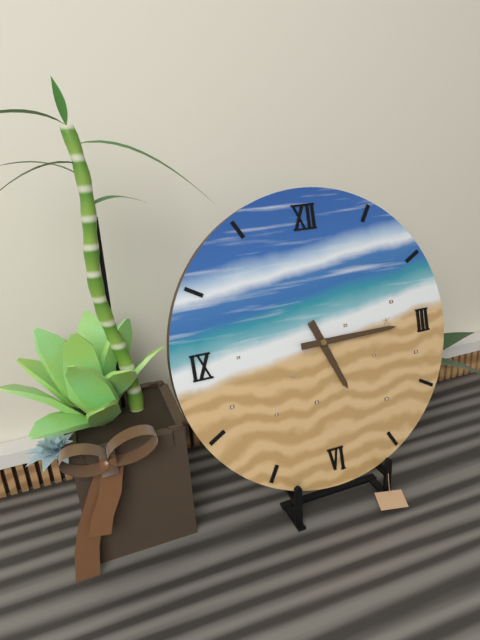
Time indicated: 5h15
